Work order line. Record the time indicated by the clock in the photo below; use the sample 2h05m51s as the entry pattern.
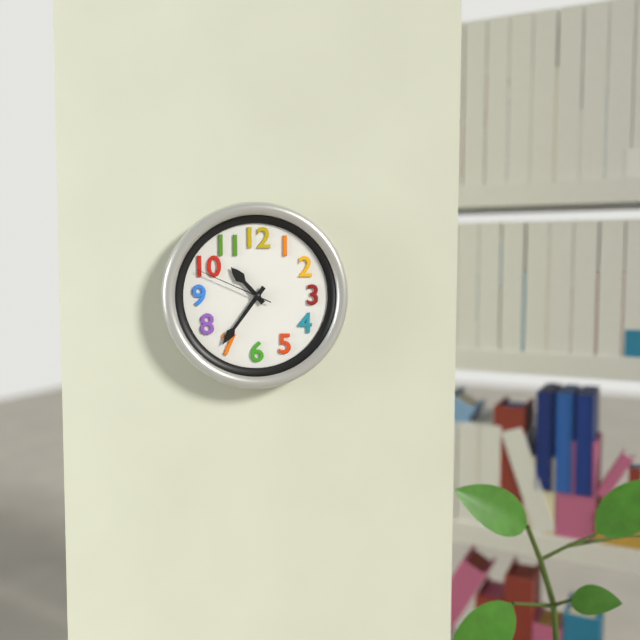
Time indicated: 10h36m49s
